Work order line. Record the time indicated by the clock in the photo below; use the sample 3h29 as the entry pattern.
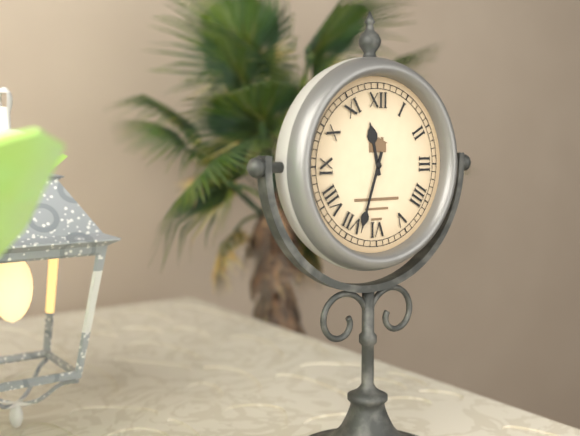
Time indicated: 11h33
